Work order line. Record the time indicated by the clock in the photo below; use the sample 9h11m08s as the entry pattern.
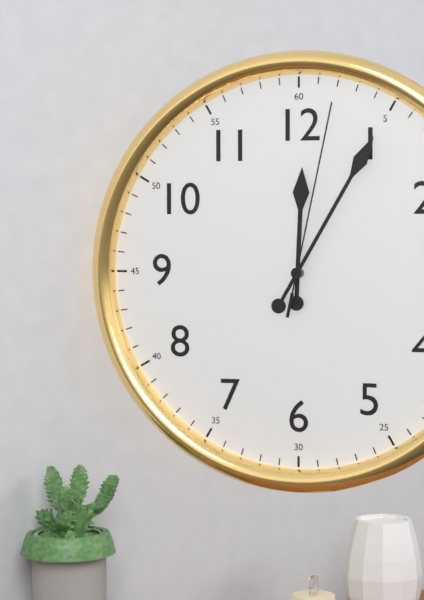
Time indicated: 12h05m02s
